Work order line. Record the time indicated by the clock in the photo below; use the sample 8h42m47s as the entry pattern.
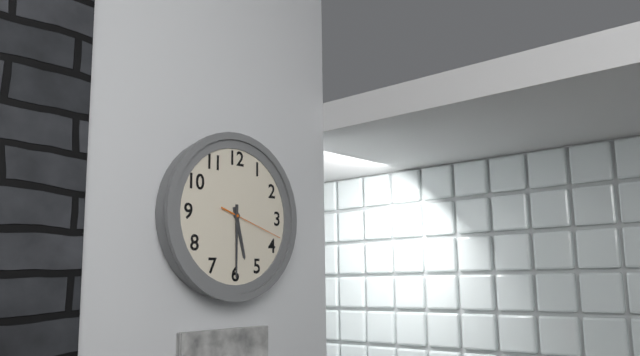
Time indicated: 5h30m18s
